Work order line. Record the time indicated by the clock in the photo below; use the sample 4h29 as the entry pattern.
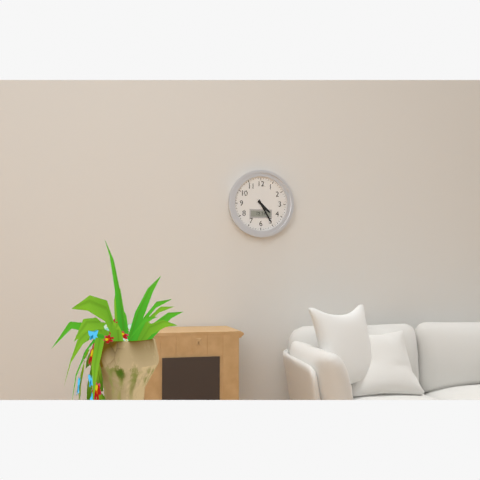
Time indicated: 4h25
